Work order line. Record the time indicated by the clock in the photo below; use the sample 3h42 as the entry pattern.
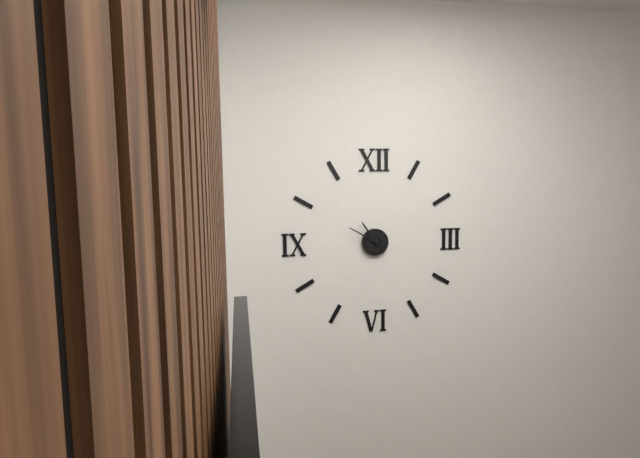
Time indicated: 10h50
